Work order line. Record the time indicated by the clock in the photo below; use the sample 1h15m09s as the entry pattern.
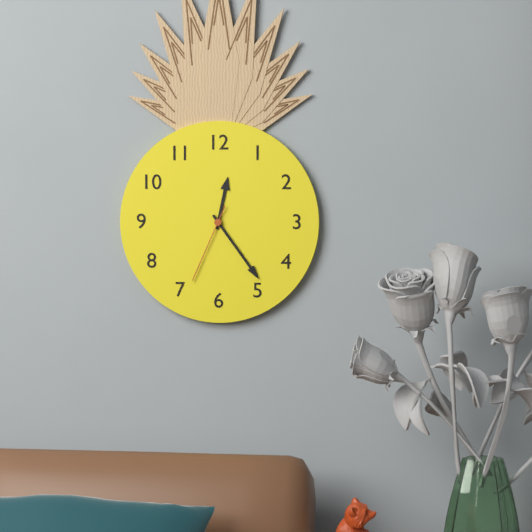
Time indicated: 12h24m34s
